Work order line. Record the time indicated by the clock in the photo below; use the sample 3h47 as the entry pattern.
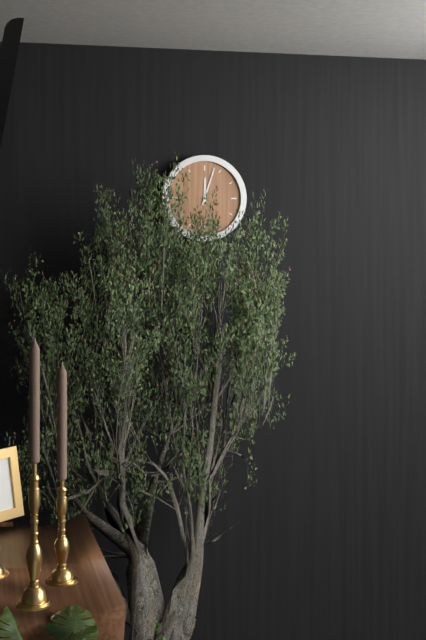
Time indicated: 12h03
